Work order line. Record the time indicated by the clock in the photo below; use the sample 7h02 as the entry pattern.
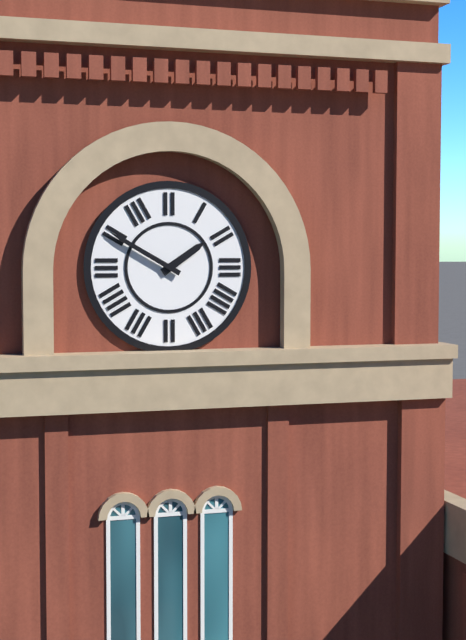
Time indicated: 1h50
